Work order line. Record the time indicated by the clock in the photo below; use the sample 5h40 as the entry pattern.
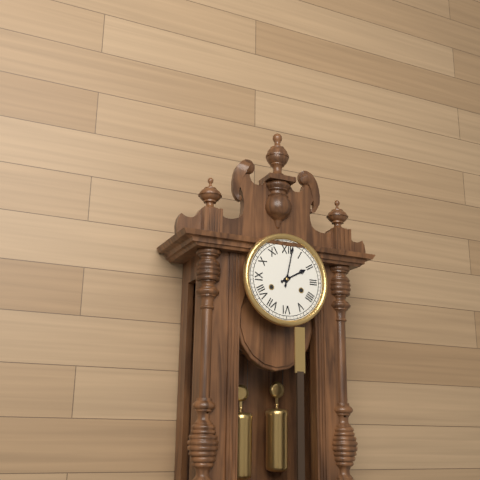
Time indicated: 2h02
